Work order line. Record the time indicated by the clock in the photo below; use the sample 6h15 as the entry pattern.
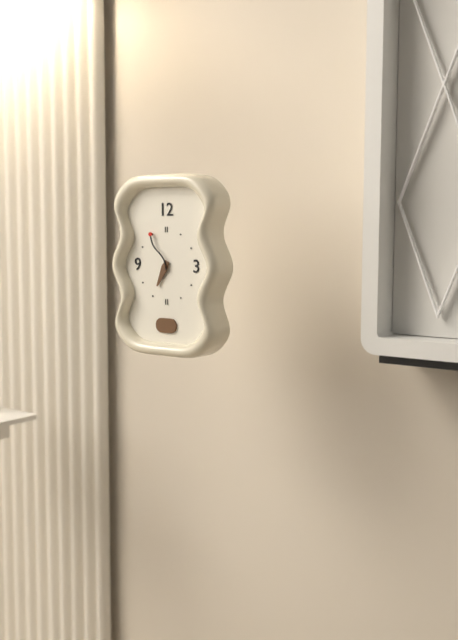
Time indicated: 6h55
